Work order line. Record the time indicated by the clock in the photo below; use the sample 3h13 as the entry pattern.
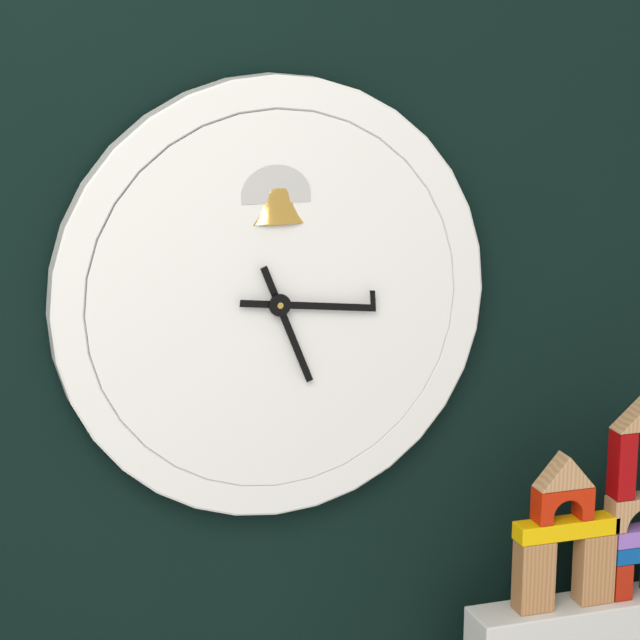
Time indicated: 5h16
